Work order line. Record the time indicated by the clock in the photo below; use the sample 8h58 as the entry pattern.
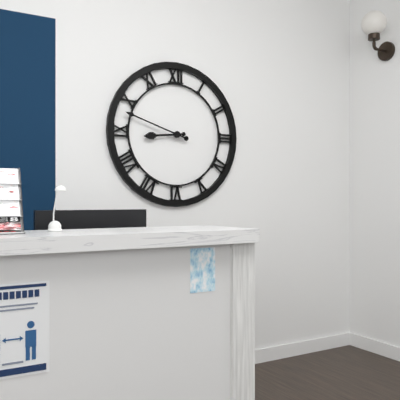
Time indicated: 8h48
